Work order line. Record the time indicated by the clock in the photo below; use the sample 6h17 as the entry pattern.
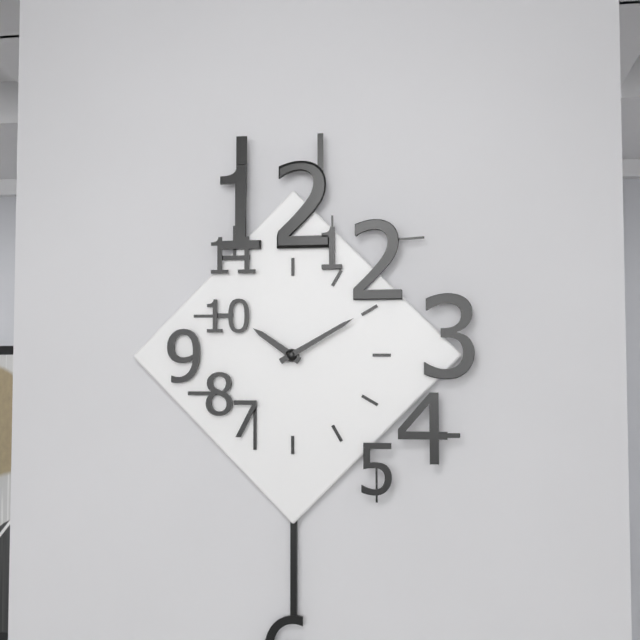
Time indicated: 10h10
